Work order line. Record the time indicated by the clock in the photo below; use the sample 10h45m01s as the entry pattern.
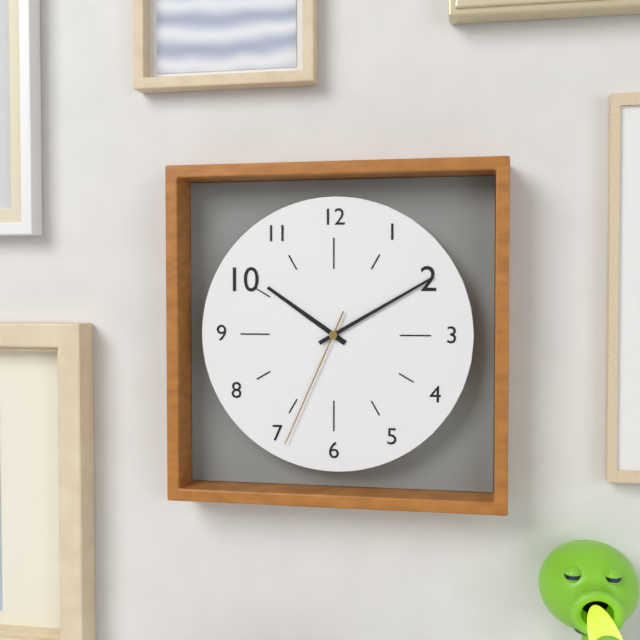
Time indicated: 10h10m34s
